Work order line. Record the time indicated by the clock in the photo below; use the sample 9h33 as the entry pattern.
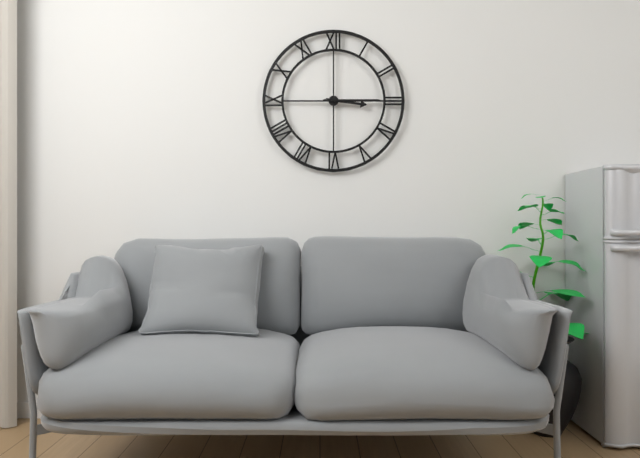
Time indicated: 3h15
